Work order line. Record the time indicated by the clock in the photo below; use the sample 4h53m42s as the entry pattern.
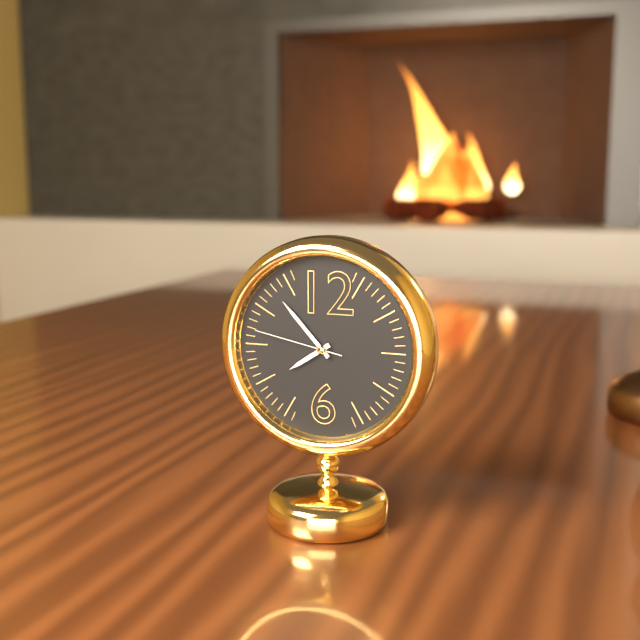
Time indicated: 7h53m47s
